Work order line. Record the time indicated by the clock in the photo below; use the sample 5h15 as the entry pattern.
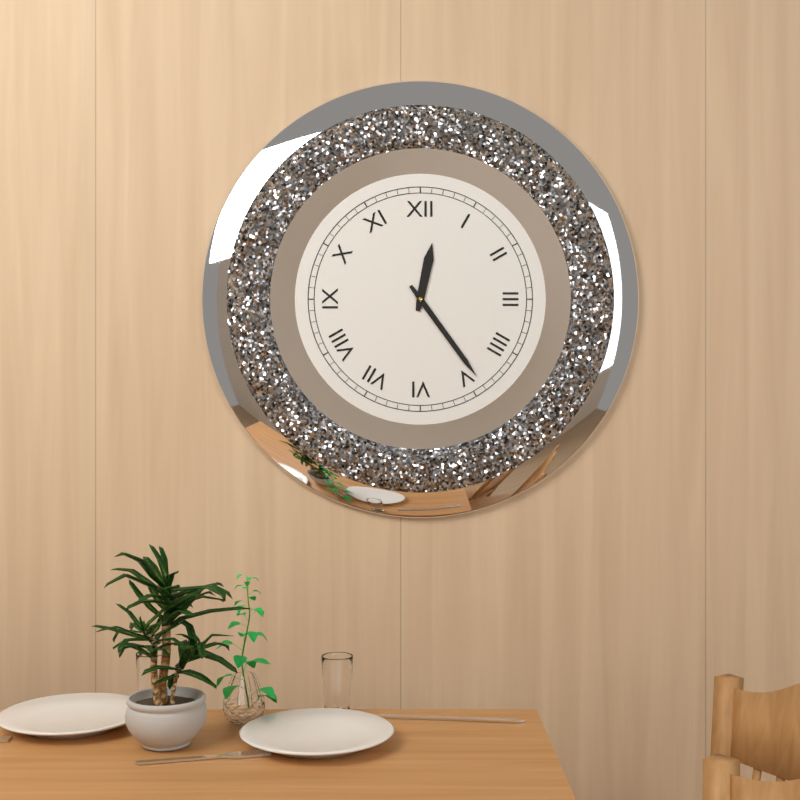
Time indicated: 12h24
